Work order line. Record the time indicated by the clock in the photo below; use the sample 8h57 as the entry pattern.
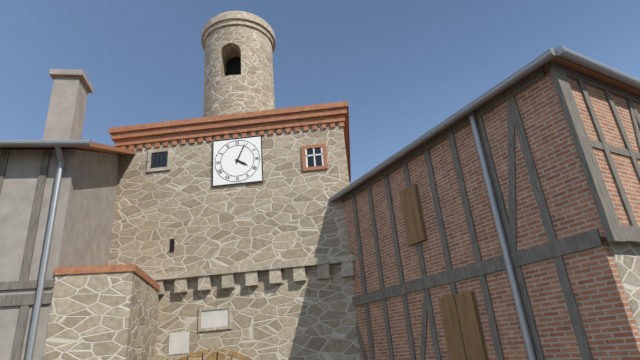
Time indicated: 4h04
